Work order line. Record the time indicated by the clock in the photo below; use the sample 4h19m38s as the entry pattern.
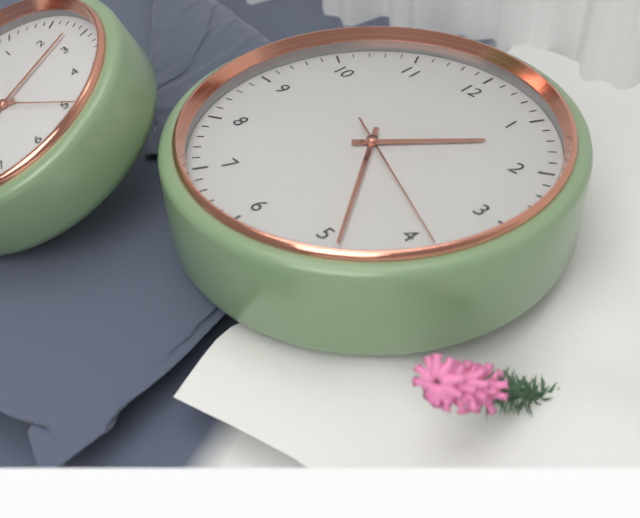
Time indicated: 1h24m19s
